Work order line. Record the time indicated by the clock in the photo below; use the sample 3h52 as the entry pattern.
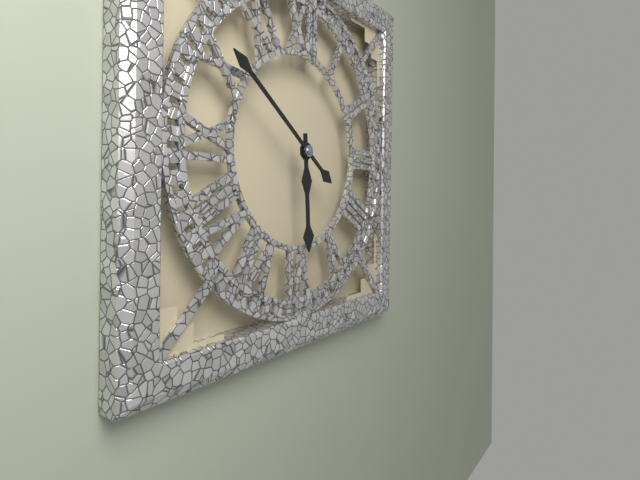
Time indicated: 5h51
